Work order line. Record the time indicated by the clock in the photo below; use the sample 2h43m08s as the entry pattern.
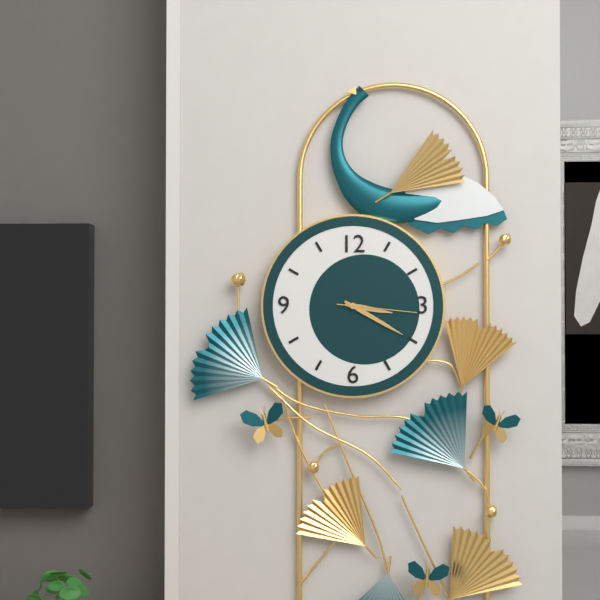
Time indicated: 3h20m16s
